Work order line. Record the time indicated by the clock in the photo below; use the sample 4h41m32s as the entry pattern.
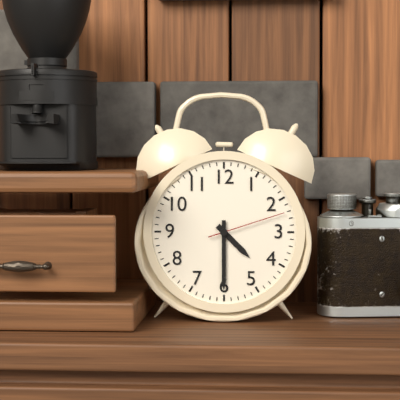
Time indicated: 4h30m12s
